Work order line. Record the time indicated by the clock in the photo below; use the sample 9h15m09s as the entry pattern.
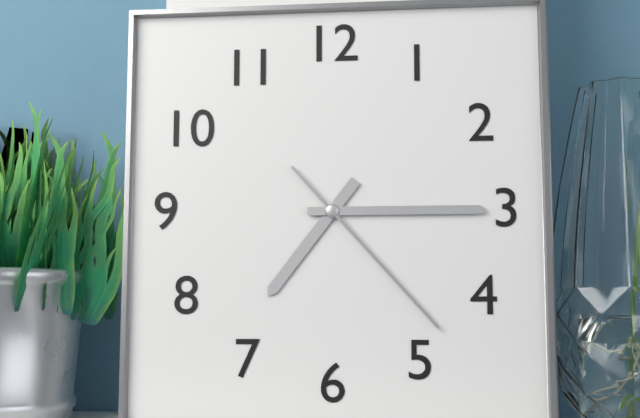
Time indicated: 7h15m23s
